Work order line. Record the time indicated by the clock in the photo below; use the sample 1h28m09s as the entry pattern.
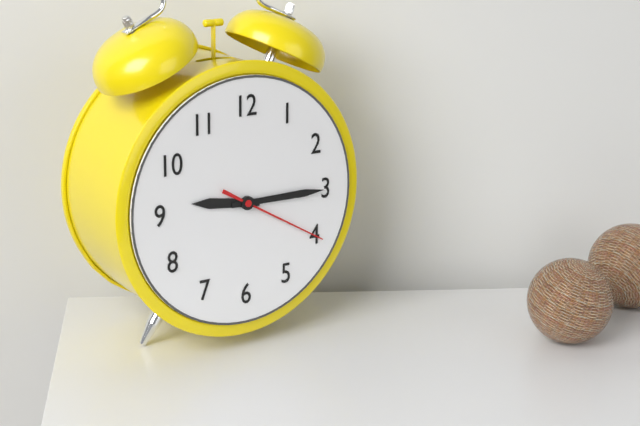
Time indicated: 9h15m20s
